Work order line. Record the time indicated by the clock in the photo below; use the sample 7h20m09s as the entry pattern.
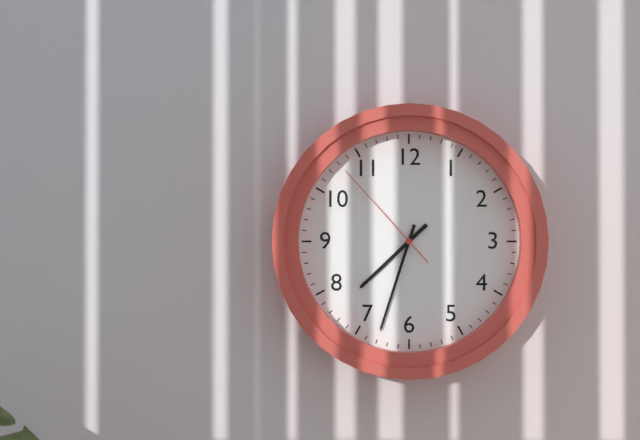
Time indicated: 7h33m53s
